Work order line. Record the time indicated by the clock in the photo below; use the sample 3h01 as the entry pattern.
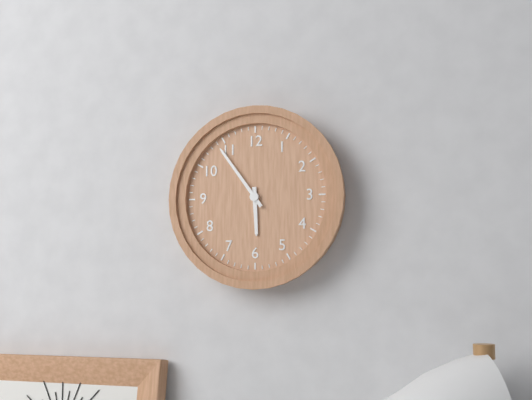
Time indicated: 5h54
